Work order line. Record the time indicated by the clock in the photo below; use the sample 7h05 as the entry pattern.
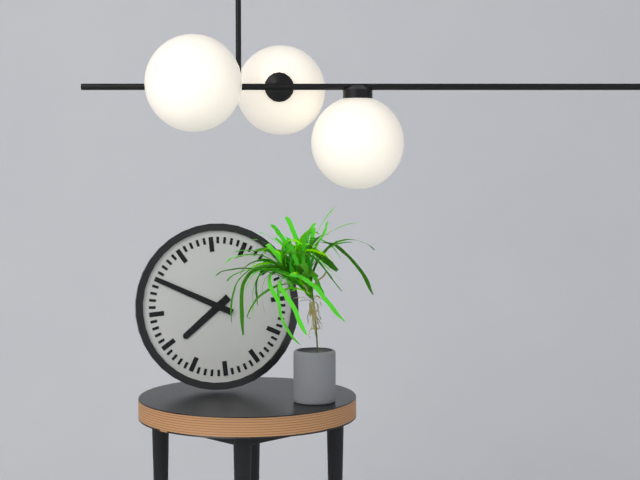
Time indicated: 7h50
